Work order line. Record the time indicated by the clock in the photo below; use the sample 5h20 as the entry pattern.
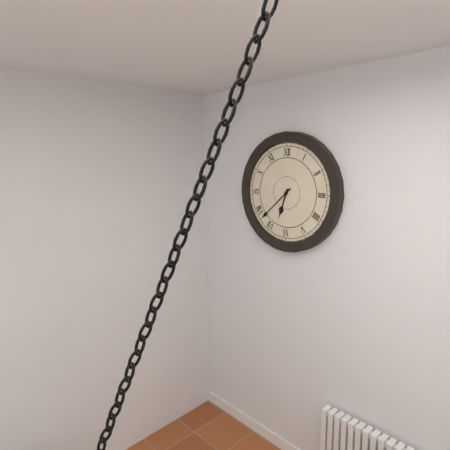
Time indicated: 6h38
